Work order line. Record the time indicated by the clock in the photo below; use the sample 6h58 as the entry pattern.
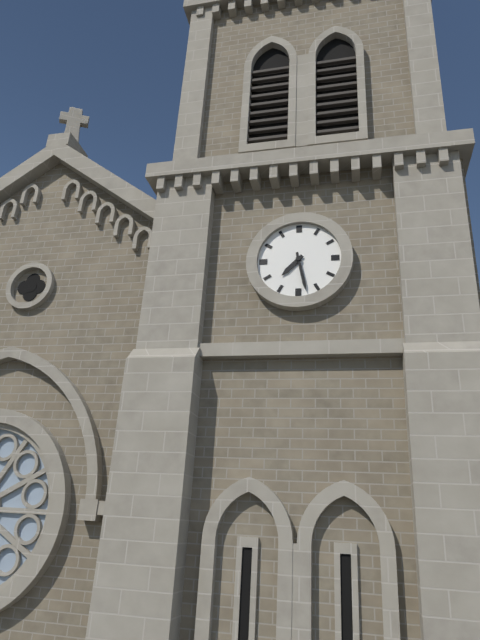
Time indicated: 7h28
